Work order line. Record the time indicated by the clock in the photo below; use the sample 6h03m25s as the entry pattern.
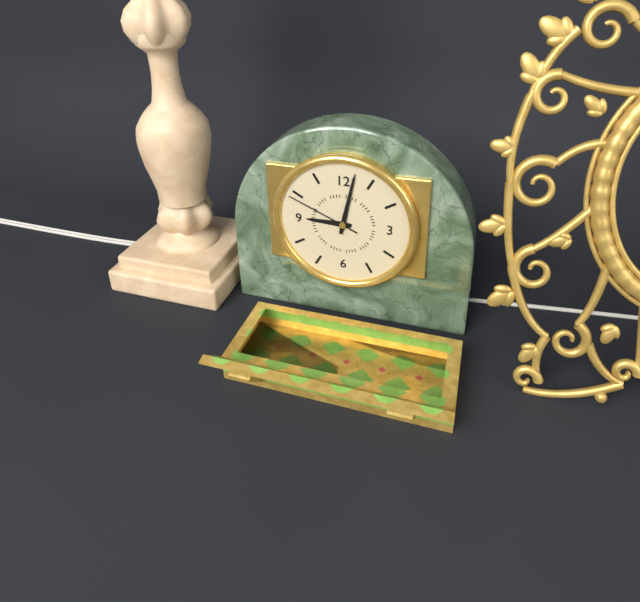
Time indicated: 9h02m49s
